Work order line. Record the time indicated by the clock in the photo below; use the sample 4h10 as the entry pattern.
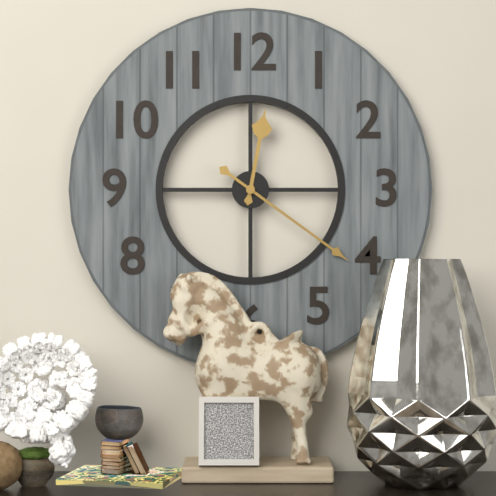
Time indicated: 12h21
